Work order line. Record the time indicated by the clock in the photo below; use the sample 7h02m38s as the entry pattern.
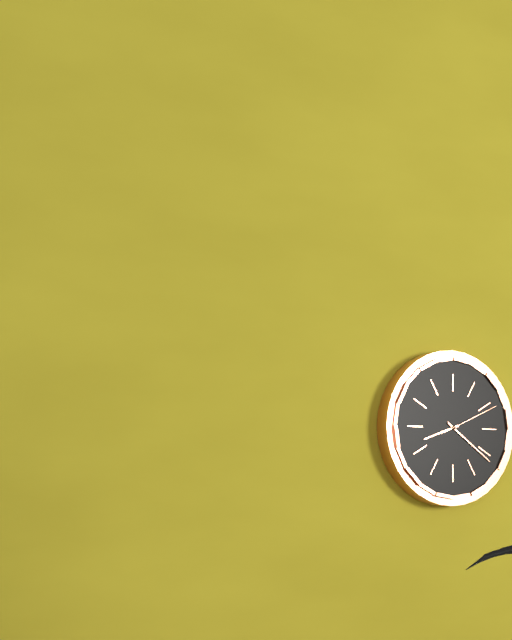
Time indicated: 8h21m11s
